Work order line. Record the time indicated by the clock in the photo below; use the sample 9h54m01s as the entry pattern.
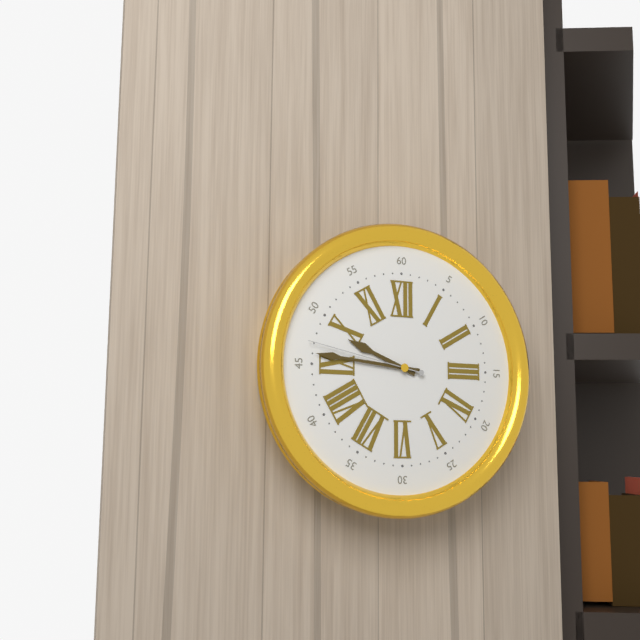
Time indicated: 9h46m47s
